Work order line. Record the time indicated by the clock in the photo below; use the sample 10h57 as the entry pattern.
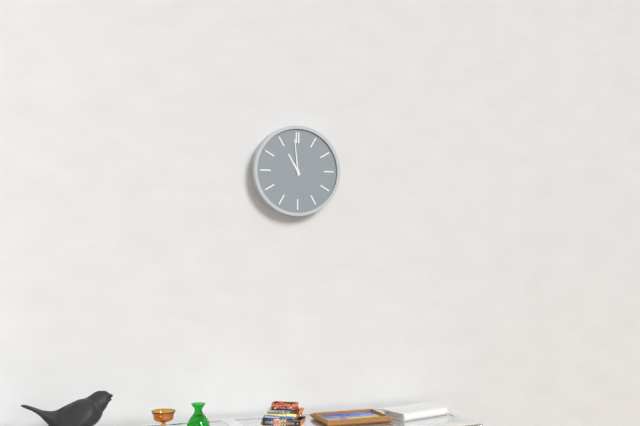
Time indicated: 10h59
